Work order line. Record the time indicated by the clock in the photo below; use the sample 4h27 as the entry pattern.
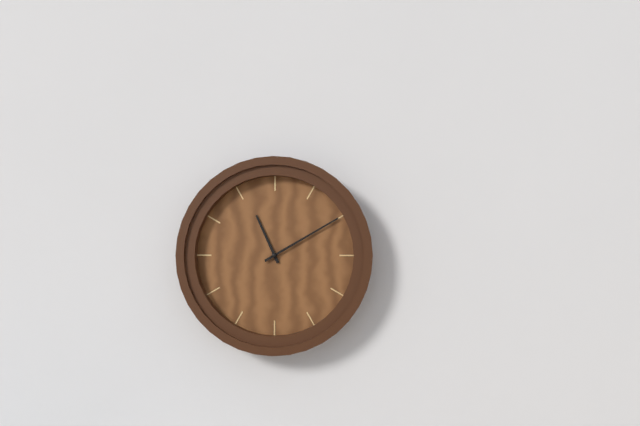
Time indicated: 11h10
